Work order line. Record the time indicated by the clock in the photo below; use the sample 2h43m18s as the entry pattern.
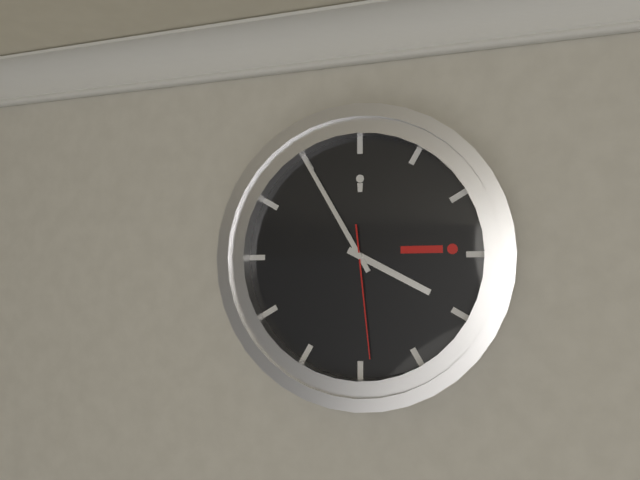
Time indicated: 3h55m29s
